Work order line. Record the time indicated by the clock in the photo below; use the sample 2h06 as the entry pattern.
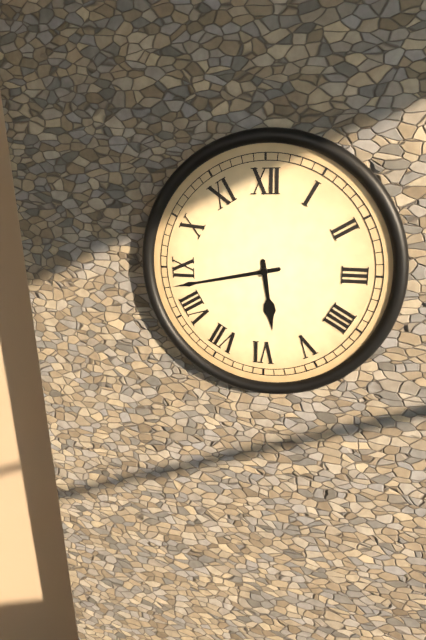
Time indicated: 5h43
